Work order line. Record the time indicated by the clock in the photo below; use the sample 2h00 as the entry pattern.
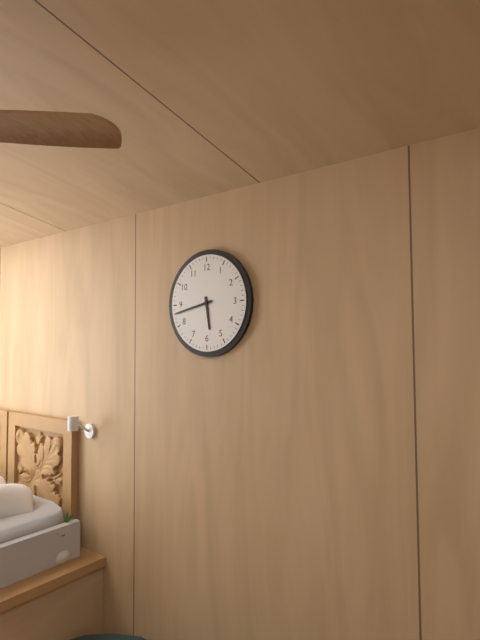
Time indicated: 5h43
